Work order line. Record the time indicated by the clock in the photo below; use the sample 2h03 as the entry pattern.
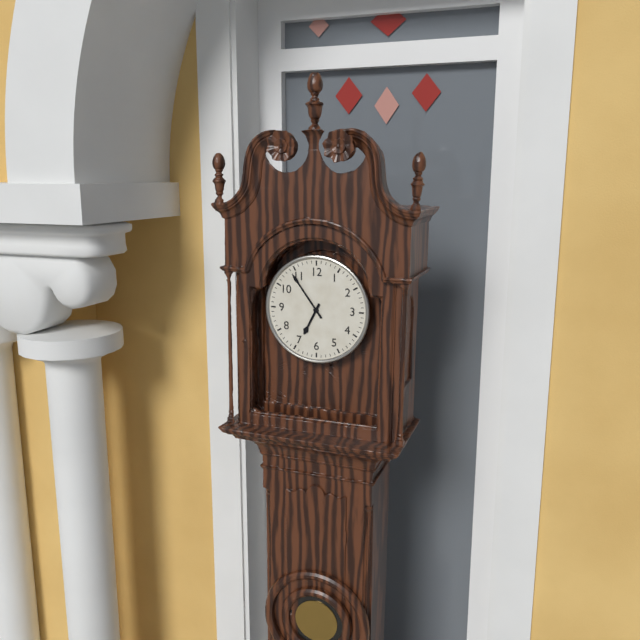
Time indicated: 6h54
